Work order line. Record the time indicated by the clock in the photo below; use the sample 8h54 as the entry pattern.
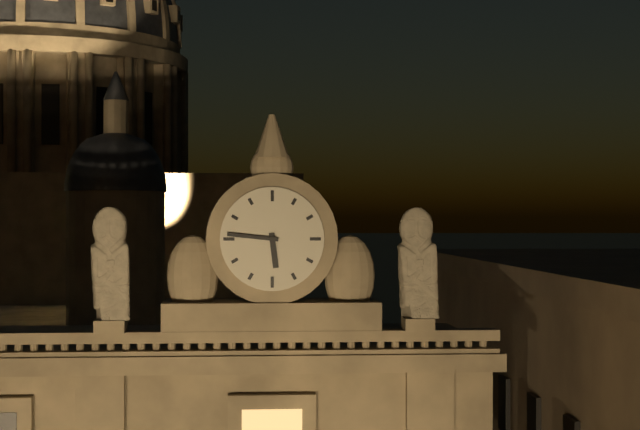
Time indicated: 5h46
